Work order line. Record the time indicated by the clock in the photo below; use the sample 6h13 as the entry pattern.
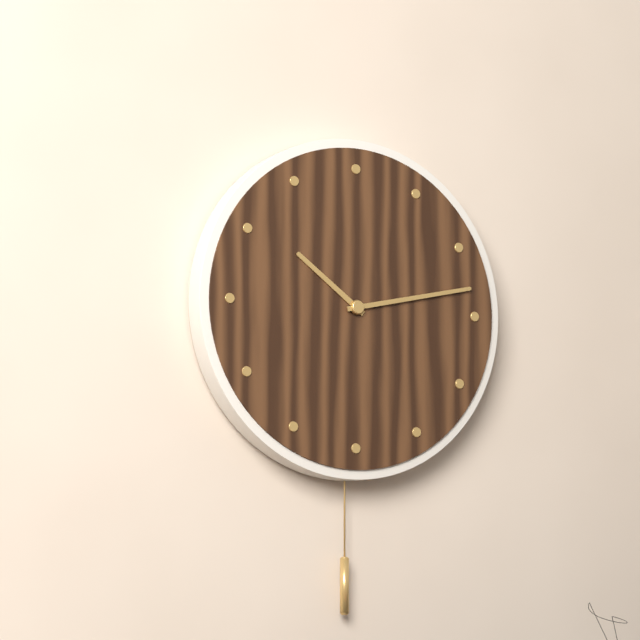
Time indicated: 10h13
